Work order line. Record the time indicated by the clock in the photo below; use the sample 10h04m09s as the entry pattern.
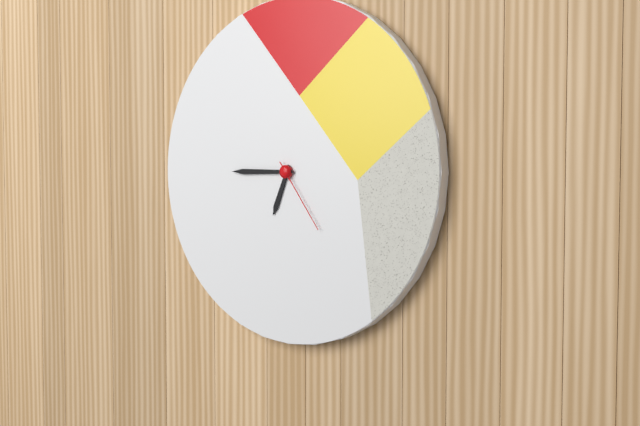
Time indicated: 6h45m24s
